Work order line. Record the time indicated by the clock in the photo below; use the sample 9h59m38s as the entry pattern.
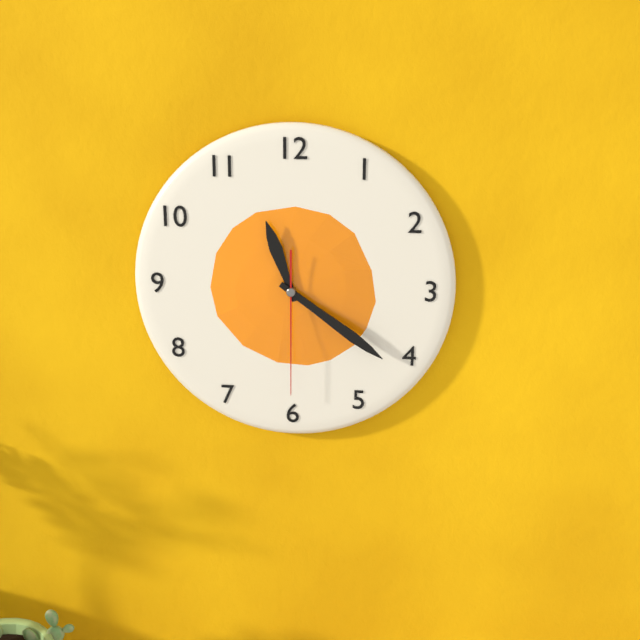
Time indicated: 11h21m30s
